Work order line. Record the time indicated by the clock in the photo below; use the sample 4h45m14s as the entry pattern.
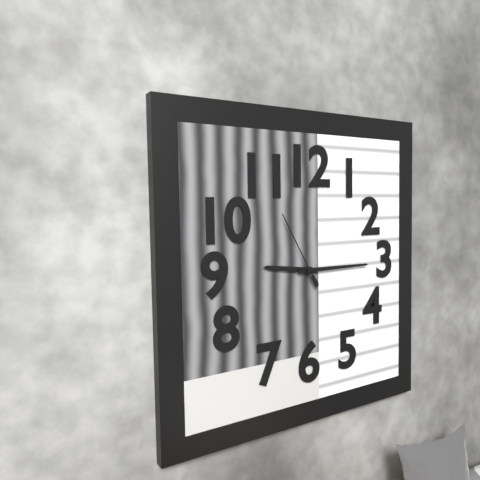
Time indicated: 9h15m55s
